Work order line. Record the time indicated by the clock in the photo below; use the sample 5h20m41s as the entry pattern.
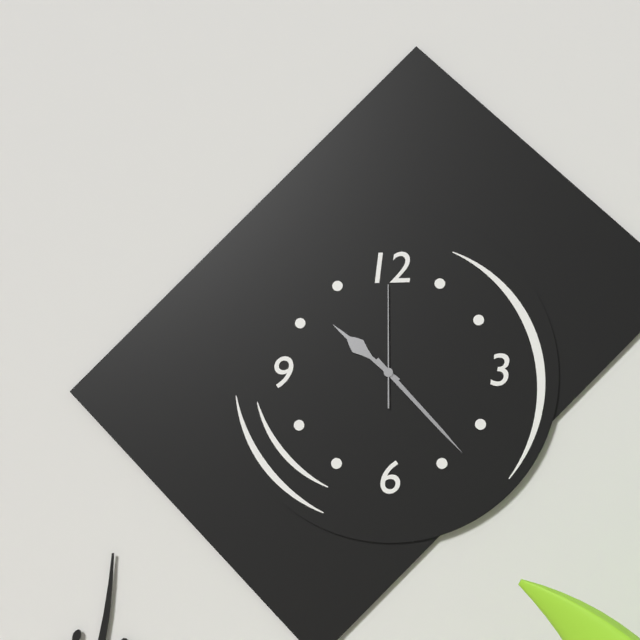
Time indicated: 10h23m00s
